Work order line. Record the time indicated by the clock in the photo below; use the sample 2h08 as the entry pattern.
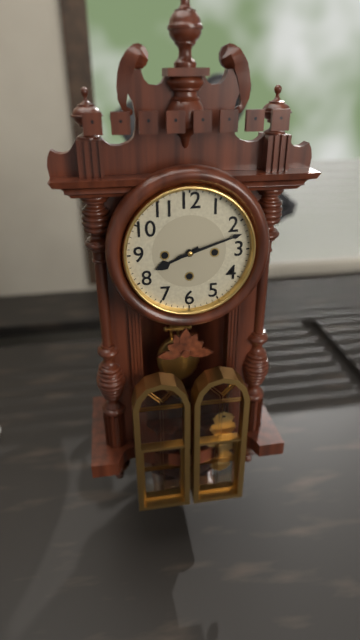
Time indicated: 8h12
